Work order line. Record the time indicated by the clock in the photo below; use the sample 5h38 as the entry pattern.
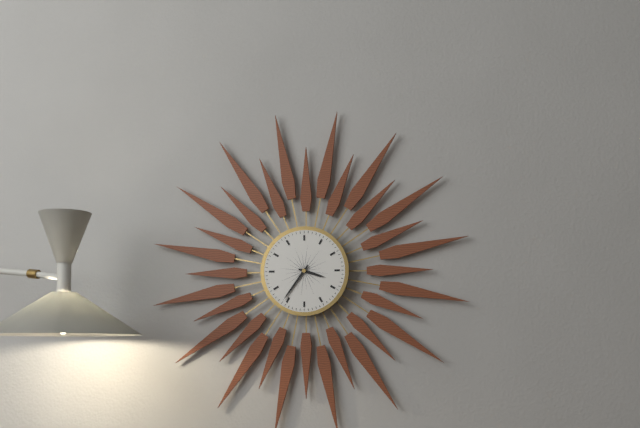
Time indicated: 3h36
